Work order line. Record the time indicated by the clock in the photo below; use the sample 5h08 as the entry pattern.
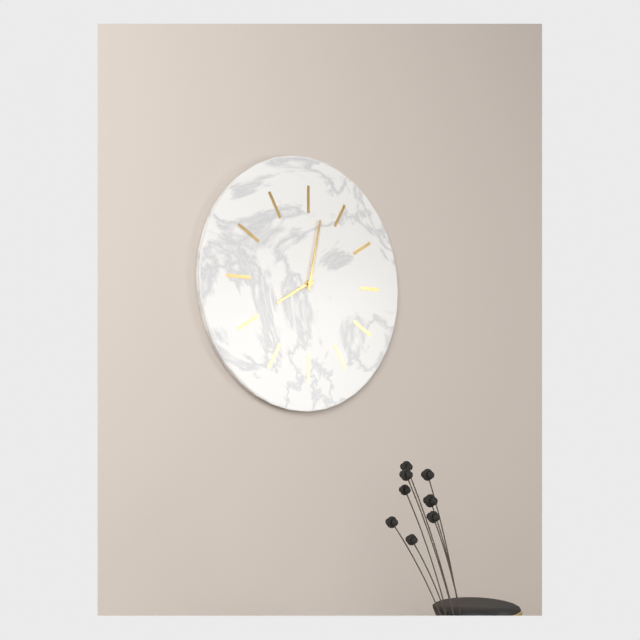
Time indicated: 8h02
